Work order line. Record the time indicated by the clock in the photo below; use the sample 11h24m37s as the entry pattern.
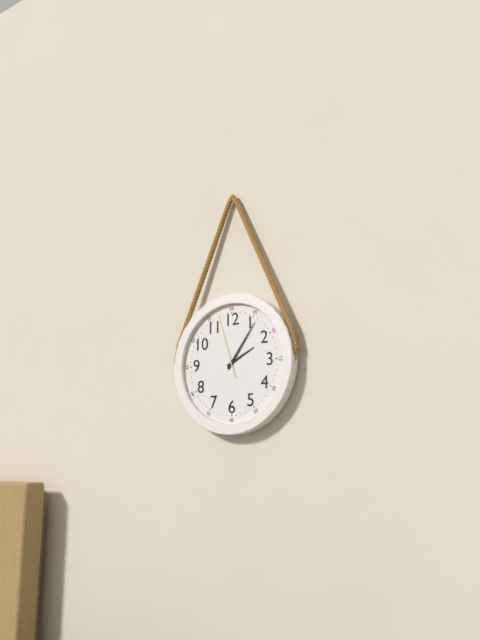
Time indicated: 2h06m57s
